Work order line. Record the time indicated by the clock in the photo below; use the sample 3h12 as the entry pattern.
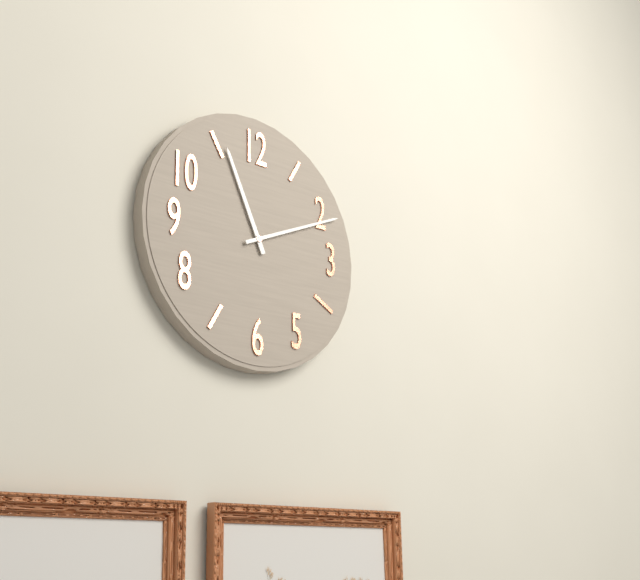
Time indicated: 11h11
